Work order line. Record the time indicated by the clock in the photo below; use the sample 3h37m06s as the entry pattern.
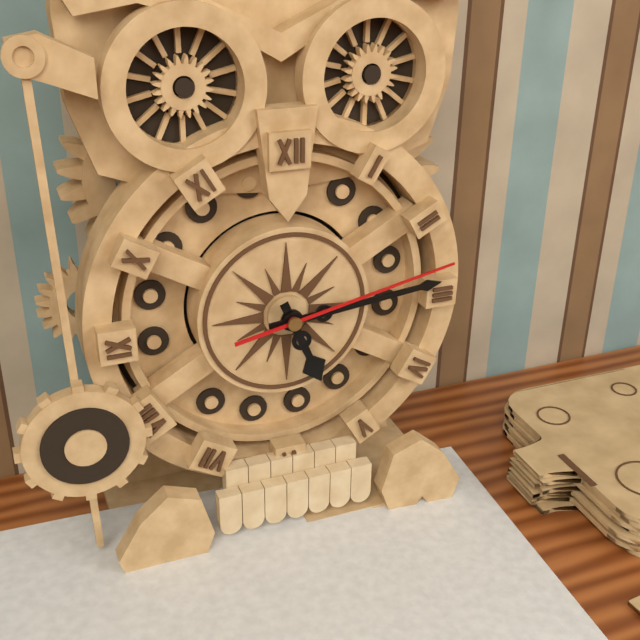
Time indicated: 5h14m13s
